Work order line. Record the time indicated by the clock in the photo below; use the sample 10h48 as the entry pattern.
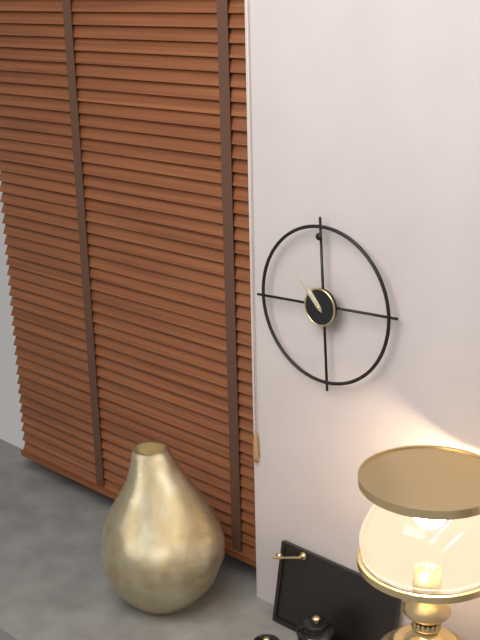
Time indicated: 10h53
